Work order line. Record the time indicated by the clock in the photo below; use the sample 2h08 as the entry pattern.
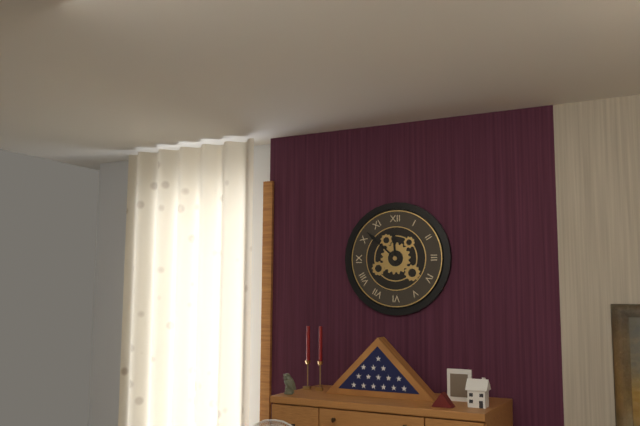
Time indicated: 11h52
